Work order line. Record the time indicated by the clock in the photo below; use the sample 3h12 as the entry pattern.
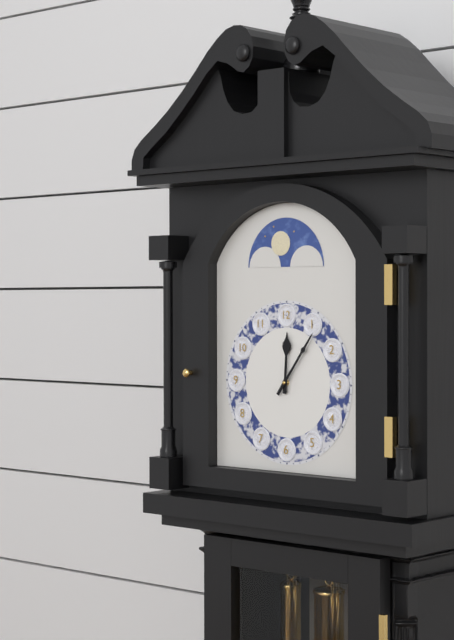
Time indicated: 12h06
